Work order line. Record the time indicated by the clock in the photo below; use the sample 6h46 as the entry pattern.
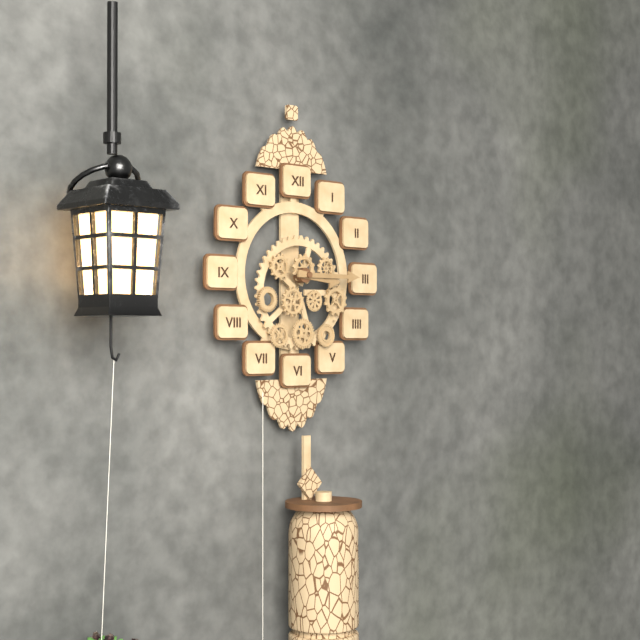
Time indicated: 3h15
